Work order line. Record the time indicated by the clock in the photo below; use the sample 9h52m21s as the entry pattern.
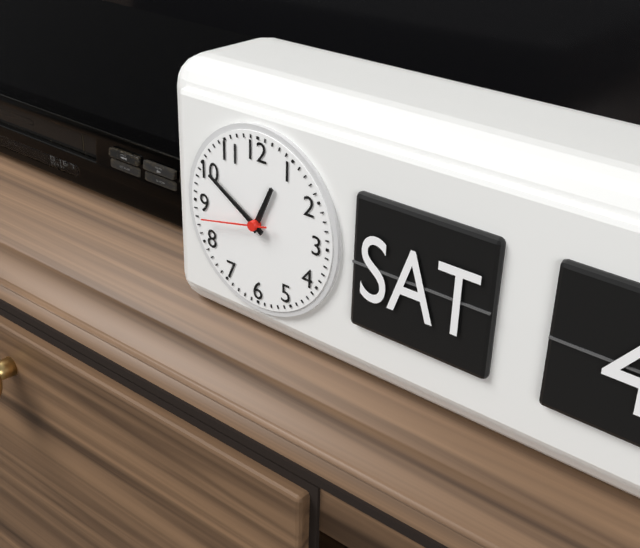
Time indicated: 12h50m43s
